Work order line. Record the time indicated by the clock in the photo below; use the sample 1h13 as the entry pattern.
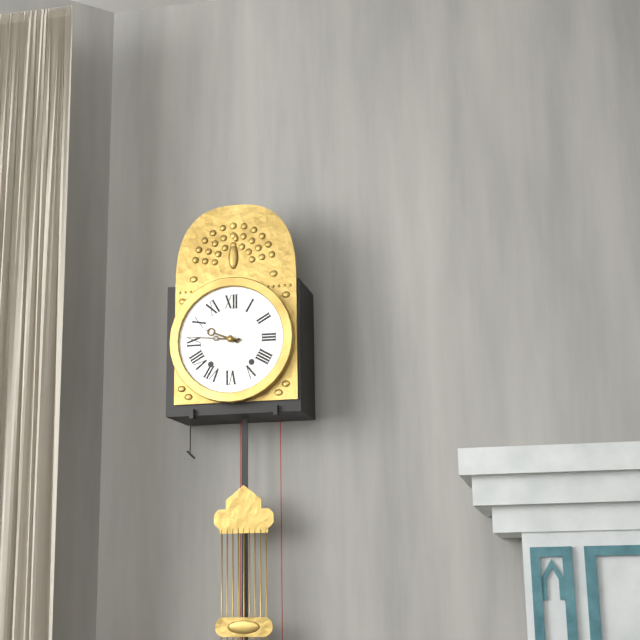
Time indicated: 9h46
